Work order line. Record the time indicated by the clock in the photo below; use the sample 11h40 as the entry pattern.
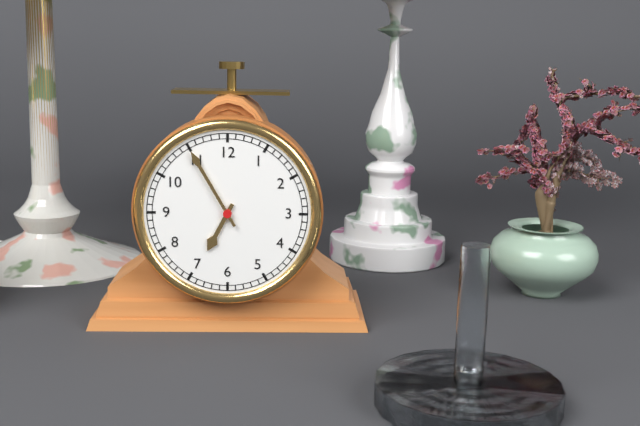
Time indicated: 6h55
